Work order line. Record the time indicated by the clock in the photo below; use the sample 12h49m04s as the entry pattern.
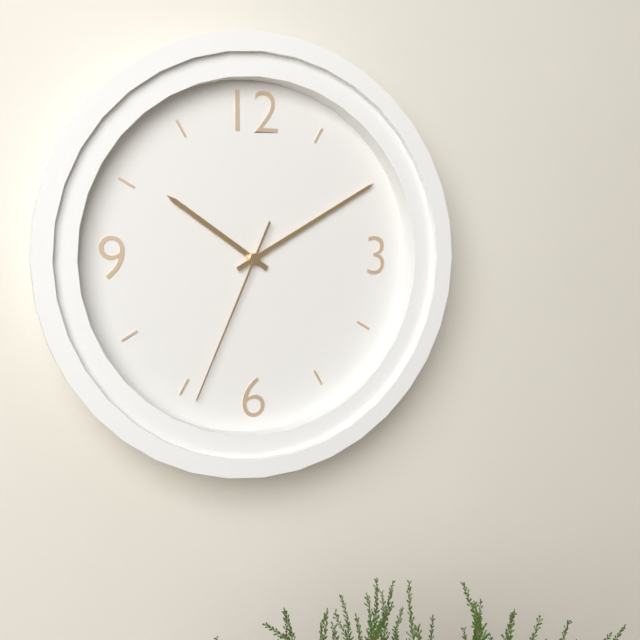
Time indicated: 10h10m34s
